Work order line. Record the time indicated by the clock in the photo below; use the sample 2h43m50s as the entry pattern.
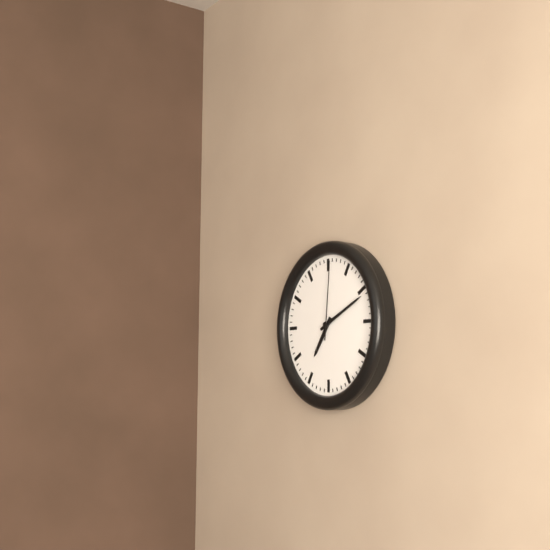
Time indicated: 7h11m01s
